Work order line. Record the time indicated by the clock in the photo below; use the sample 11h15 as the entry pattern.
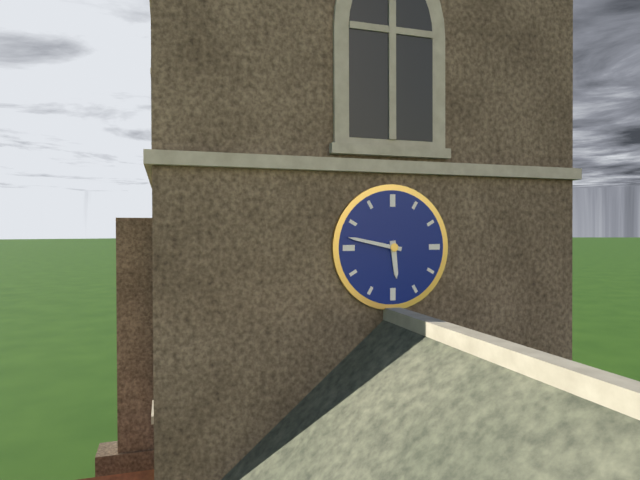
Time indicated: 5h47
